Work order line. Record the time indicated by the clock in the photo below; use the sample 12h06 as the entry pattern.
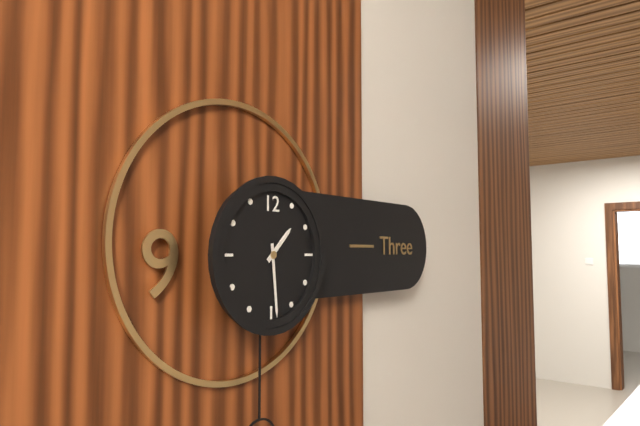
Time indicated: 1h29
